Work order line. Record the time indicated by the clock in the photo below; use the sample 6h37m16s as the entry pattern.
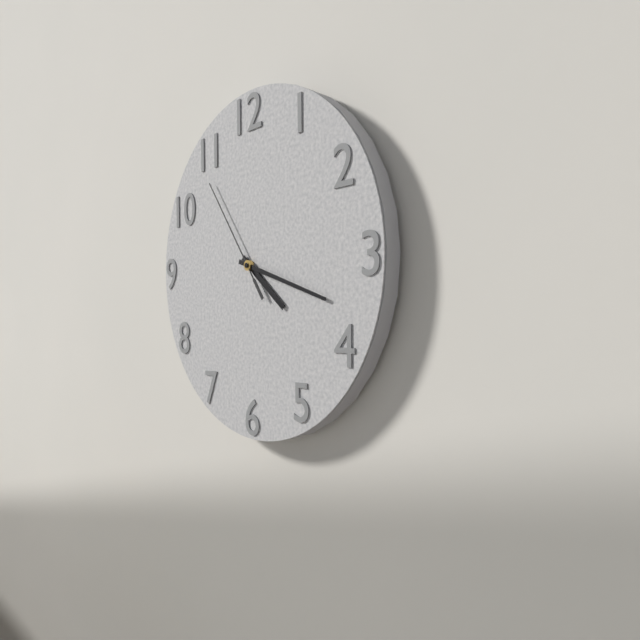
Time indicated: 4h18m54s
